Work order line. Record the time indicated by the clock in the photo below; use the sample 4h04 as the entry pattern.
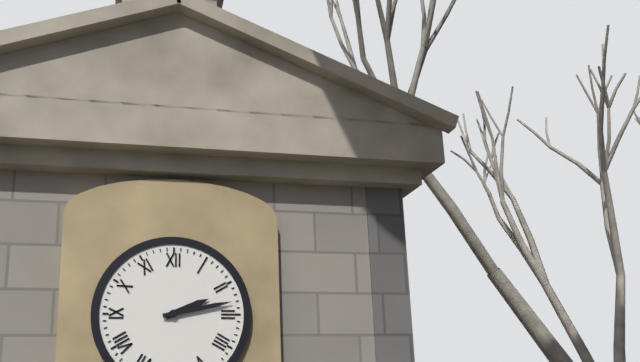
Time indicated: 2h13
